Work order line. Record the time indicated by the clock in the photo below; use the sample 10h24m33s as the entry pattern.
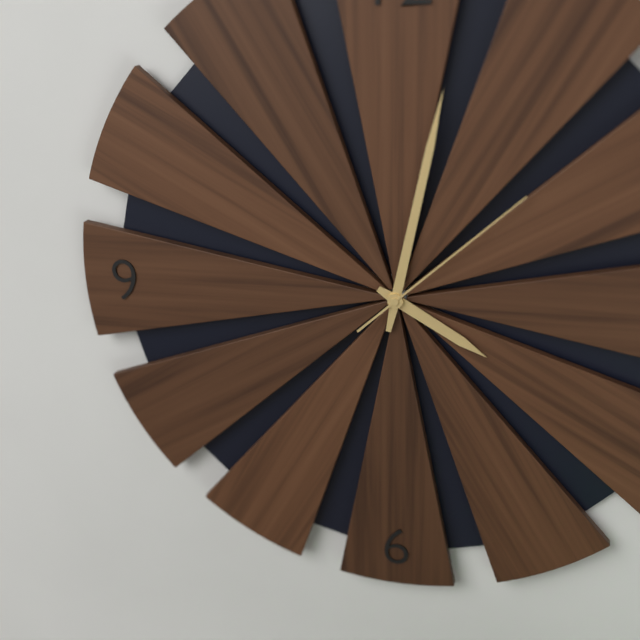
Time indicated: 4h02m08s
